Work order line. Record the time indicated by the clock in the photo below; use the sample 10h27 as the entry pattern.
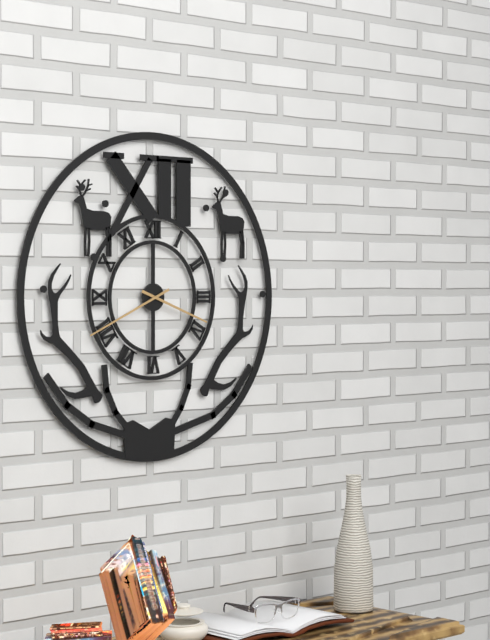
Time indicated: 3h41
